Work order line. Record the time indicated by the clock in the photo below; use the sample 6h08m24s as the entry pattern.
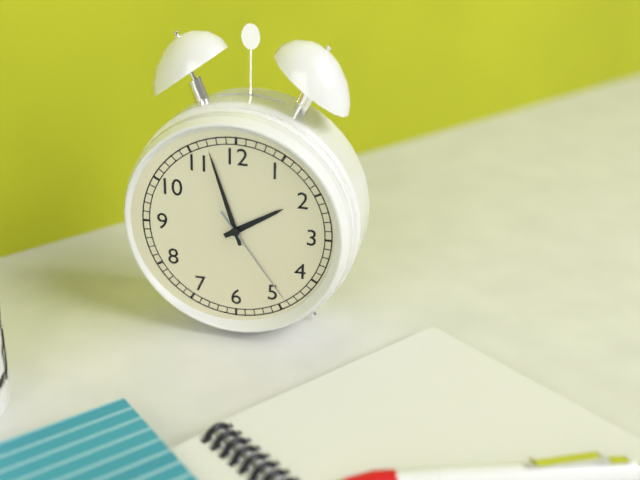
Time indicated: 1h57m24s
